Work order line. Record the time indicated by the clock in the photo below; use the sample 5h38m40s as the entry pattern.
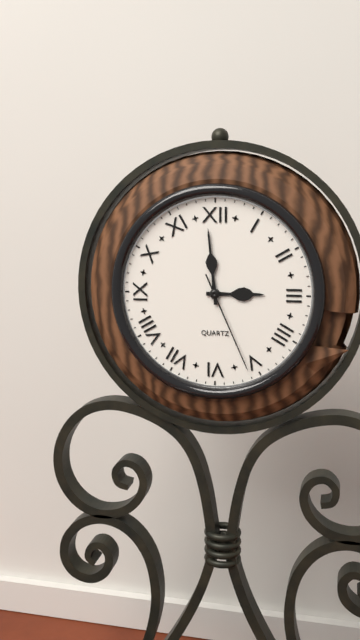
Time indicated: 2h59m26s
